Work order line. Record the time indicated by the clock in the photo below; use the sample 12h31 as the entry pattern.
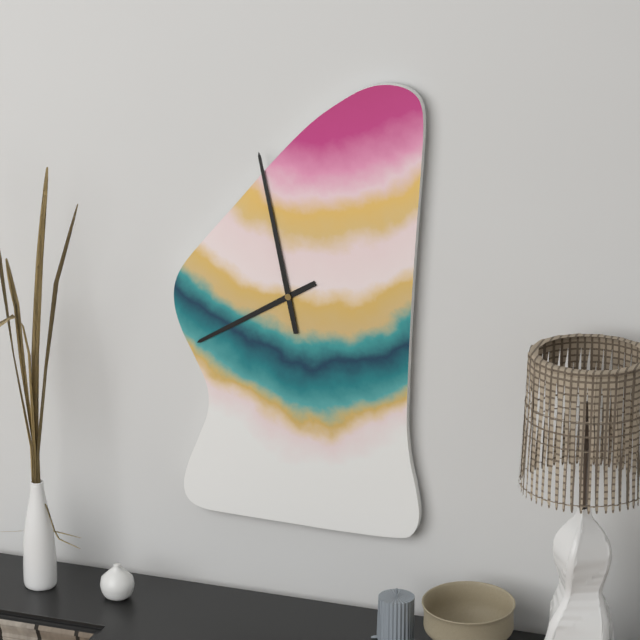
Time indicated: 7h58
